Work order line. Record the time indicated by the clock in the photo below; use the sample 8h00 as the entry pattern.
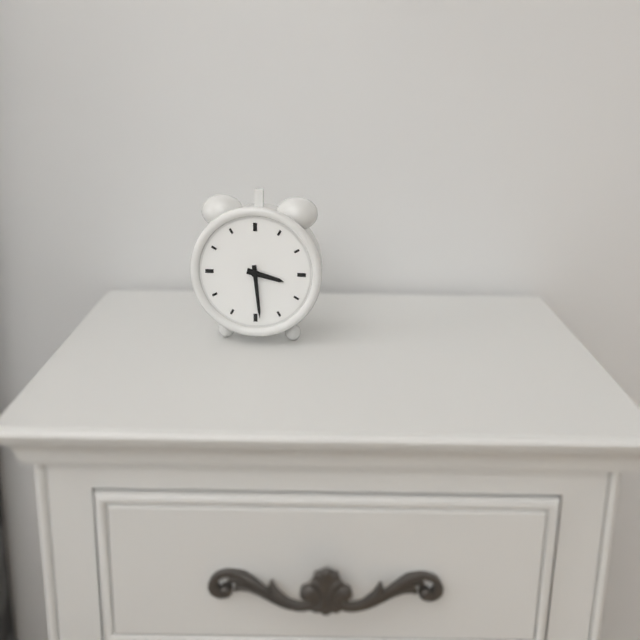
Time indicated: 3h29
